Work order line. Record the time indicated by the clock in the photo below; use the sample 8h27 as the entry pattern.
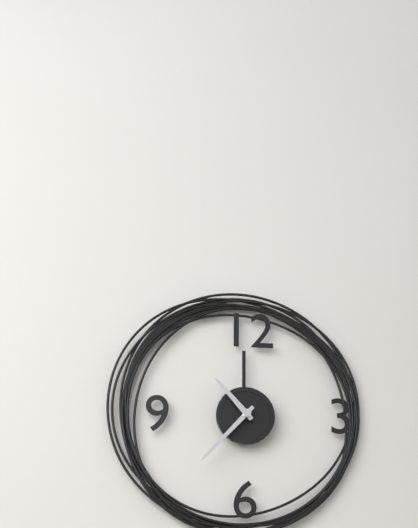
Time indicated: 10h37
